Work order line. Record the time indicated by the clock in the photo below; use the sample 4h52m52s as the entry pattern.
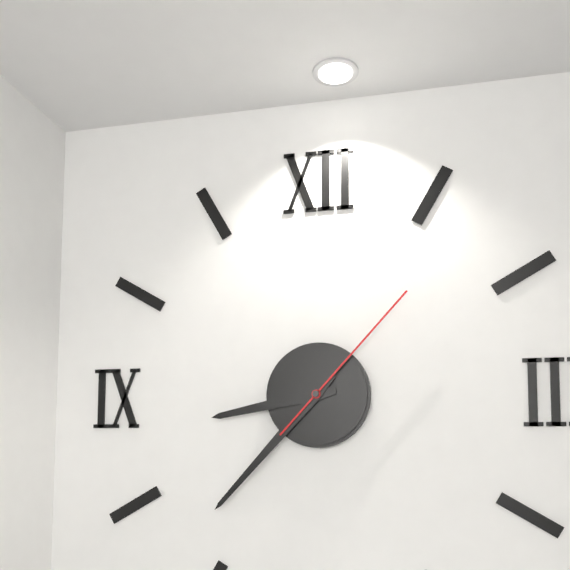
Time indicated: 8h37m07s
